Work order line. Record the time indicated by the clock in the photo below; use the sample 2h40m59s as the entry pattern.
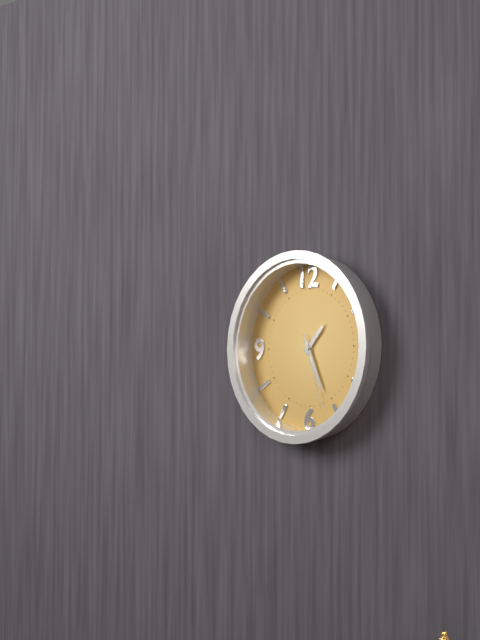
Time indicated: 1h26m27s
